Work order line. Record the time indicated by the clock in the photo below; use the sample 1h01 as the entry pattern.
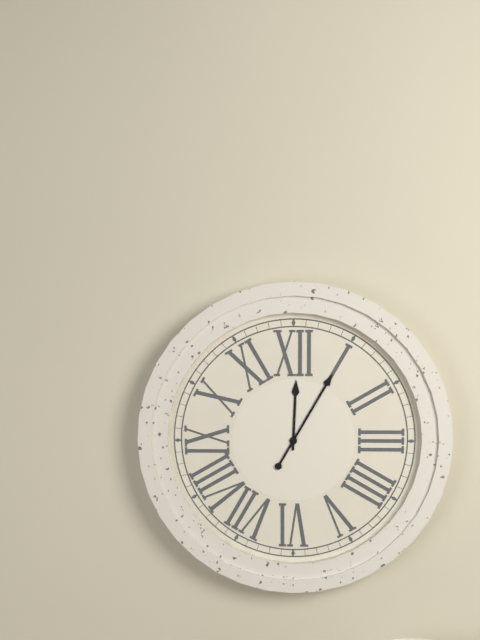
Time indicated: 12h05
